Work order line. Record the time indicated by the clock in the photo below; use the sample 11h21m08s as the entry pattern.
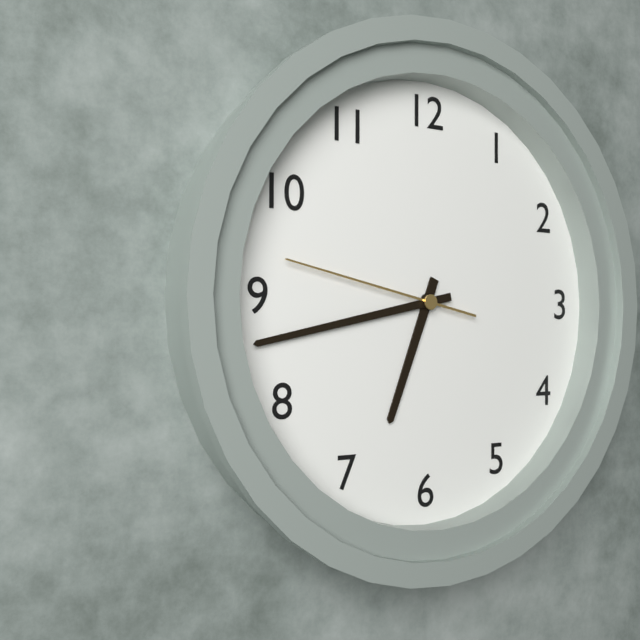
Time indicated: 6h43m47s
